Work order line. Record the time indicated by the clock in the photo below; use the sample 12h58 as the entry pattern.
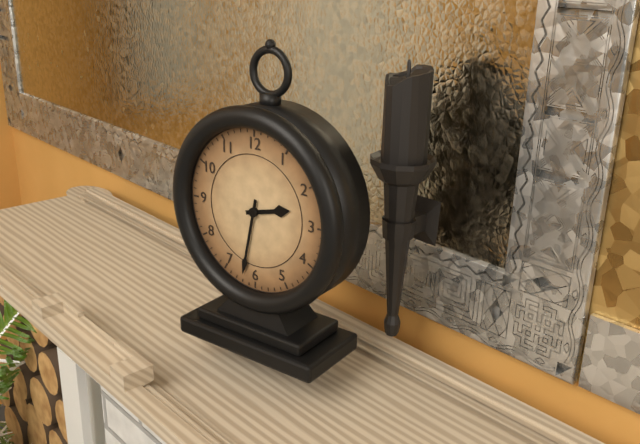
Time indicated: 2h32
